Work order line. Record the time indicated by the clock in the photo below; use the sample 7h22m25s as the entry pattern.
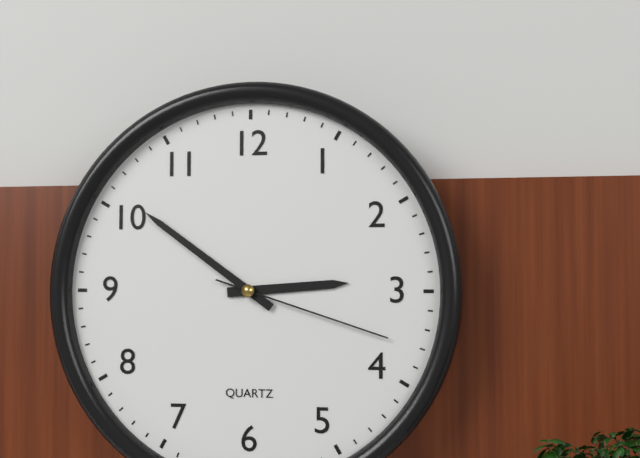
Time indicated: 2h51m18s
